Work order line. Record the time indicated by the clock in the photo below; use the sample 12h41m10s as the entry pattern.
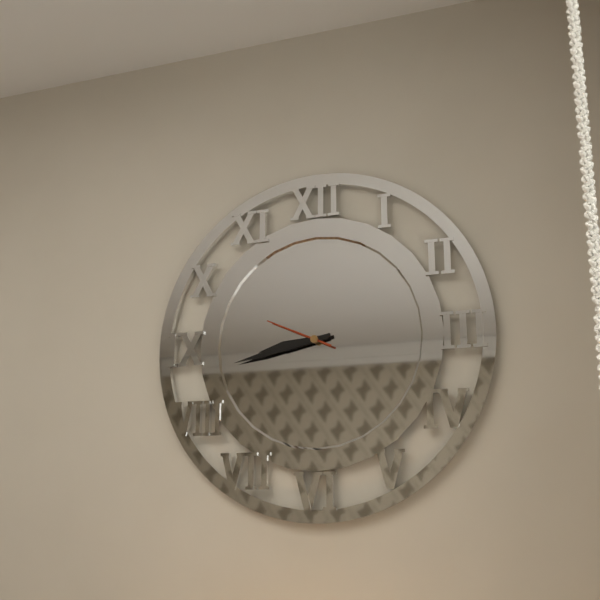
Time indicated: 8h43m49s
